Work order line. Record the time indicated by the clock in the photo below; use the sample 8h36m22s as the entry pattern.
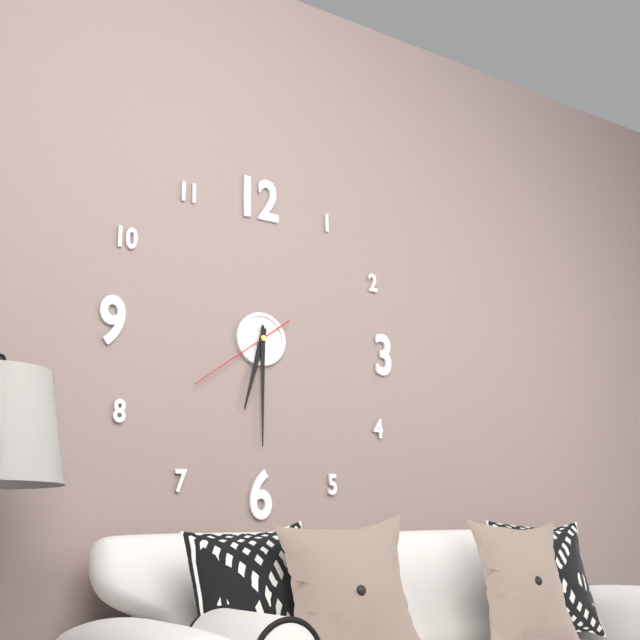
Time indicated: 6h30m39s
